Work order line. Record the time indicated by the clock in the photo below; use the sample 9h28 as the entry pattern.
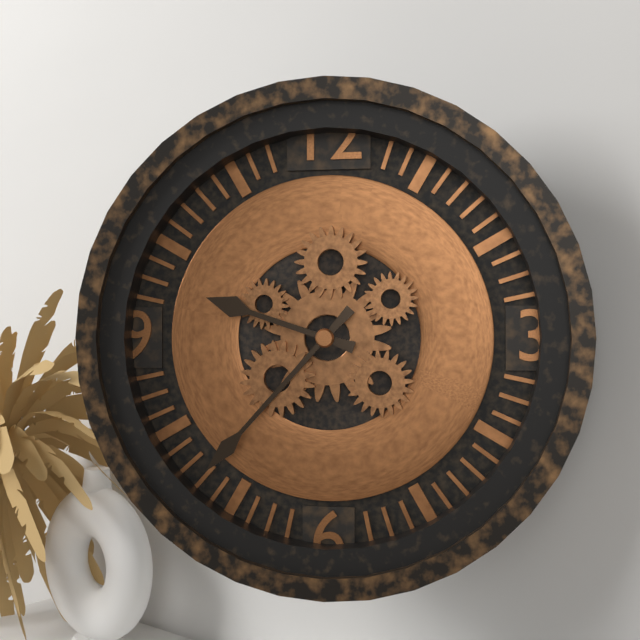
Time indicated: 9h37
